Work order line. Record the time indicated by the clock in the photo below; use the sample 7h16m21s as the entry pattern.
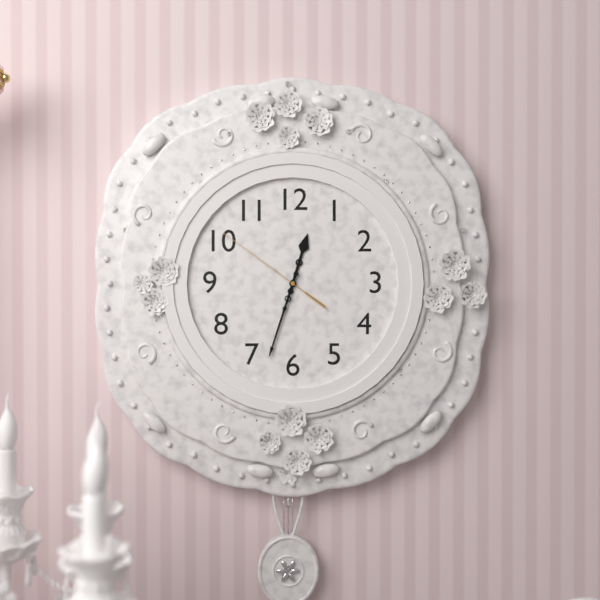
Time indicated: 12h33m51s
